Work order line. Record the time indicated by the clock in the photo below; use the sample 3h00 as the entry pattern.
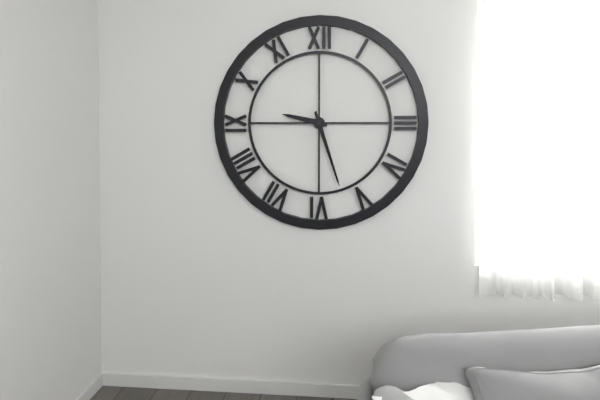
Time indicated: 9h27
